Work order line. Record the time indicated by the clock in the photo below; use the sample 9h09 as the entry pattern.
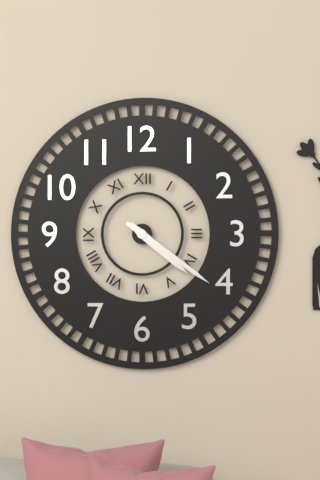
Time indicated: 4h21
